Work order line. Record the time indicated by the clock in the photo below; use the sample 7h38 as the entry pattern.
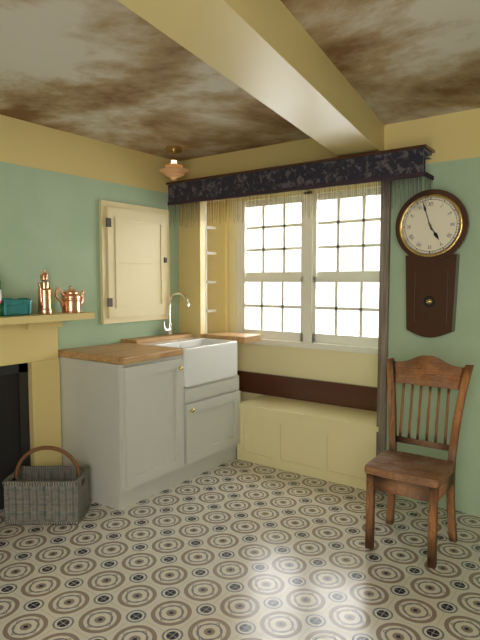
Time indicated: 4h57
